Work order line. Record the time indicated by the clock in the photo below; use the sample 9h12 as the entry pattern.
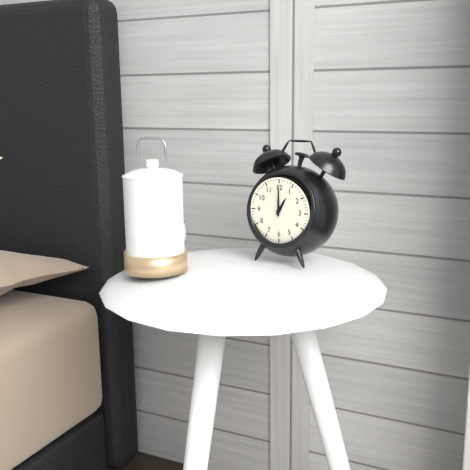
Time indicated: 1h00
